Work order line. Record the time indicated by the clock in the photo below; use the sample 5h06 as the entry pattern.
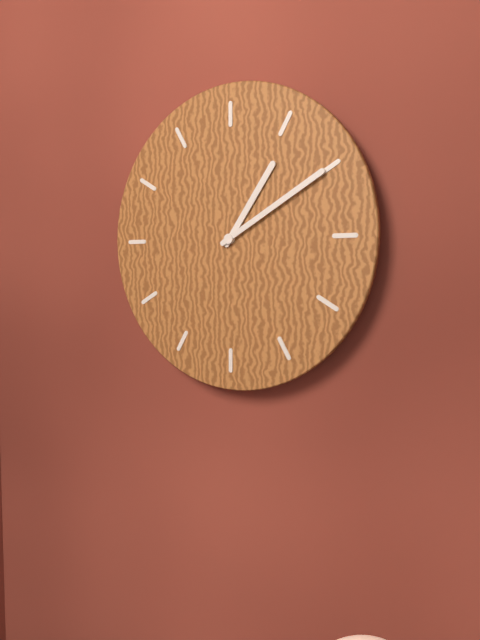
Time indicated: 1h10
